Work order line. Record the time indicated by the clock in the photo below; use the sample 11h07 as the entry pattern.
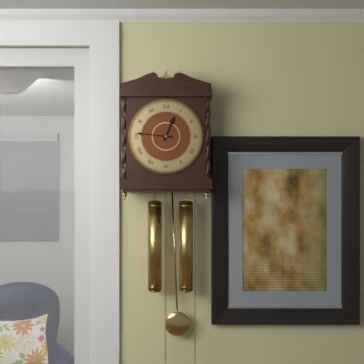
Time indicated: 12h46
